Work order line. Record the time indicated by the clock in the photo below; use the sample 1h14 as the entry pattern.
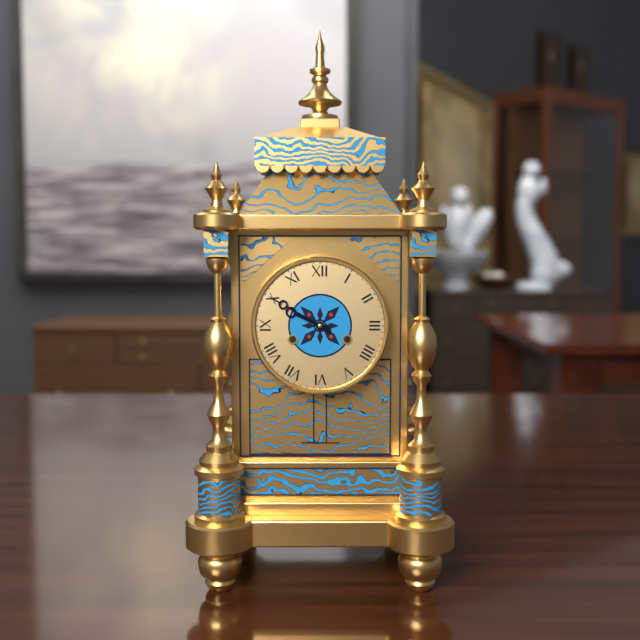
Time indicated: 9h50
